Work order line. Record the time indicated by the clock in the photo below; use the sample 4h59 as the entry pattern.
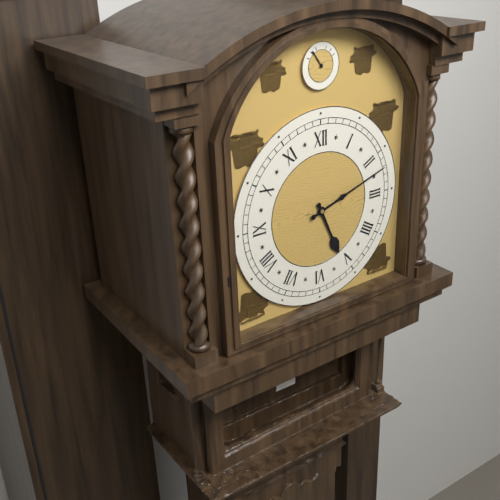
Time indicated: 5h12
